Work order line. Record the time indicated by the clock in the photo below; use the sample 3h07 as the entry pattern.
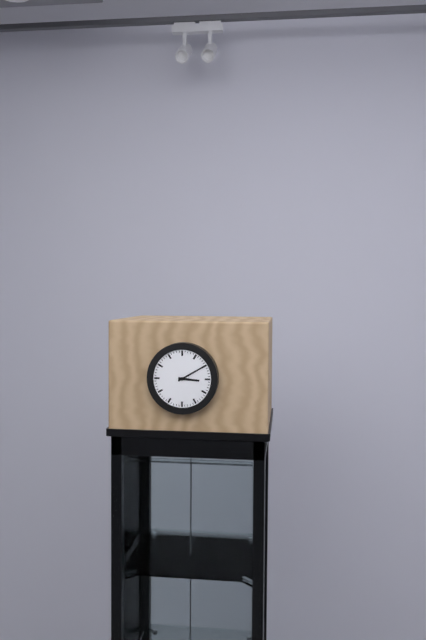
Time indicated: 3h10
